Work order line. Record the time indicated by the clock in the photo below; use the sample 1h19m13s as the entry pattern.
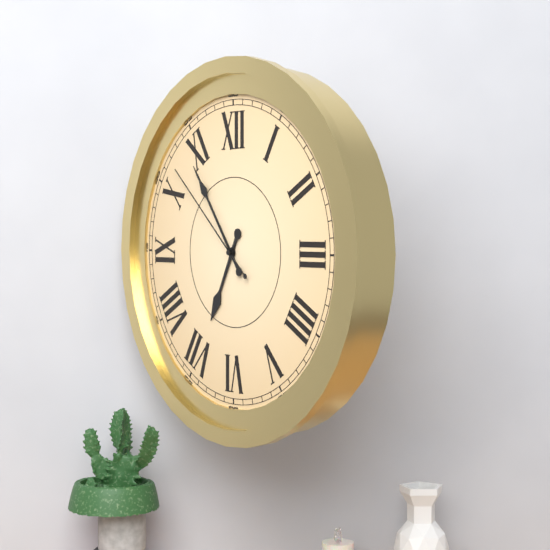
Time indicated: 6h54m52s
